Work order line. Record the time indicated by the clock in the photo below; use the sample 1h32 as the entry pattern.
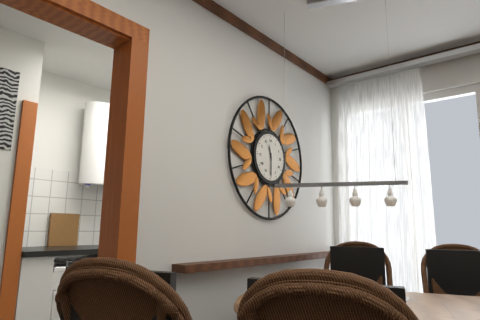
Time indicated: 11h30
